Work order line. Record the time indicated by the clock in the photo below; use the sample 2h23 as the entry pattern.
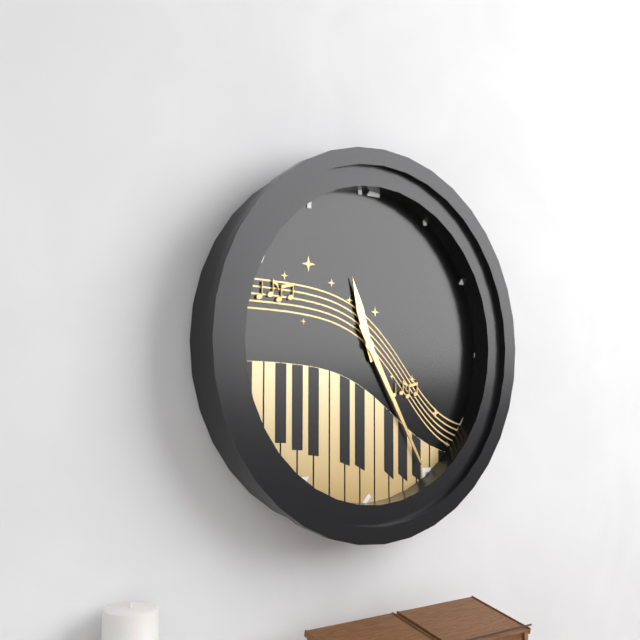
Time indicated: 11h25
